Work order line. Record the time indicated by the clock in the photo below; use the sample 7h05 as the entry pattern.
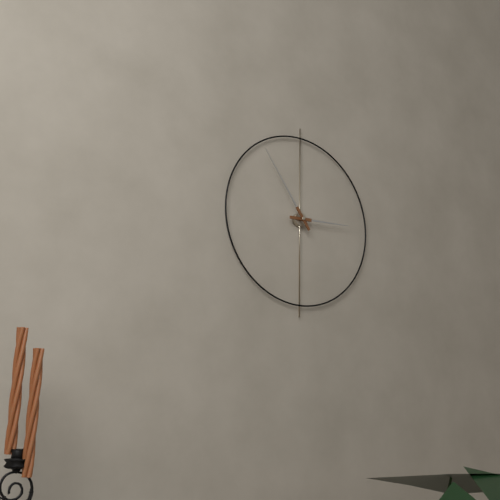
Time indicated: 2h54
